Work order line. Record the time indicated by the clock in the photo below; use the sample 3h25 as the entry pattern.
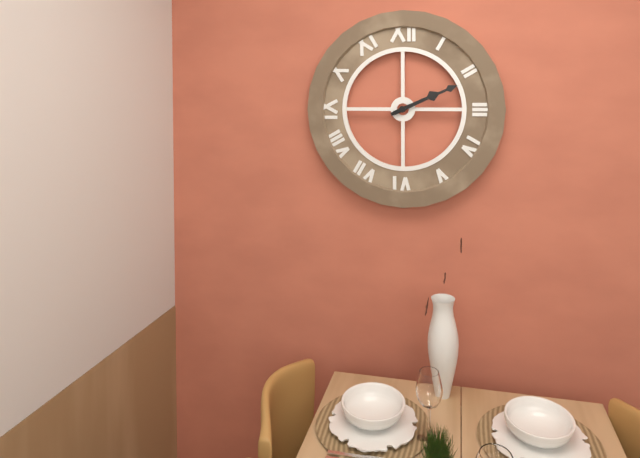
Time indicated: 2h11
